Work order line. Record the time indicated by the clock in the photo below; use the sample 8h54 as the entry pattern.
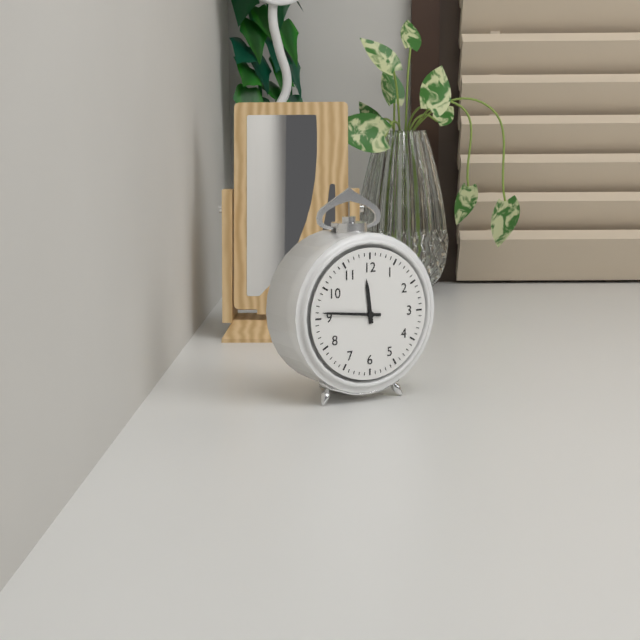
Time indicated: 11h46
